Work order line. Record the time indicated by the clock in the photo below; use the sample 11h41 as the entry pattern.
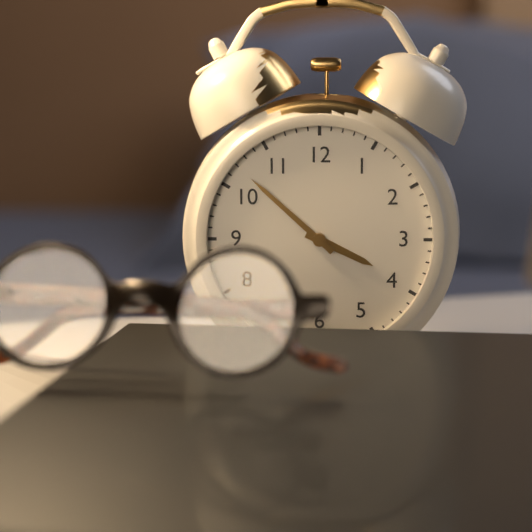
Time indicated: 3h52
